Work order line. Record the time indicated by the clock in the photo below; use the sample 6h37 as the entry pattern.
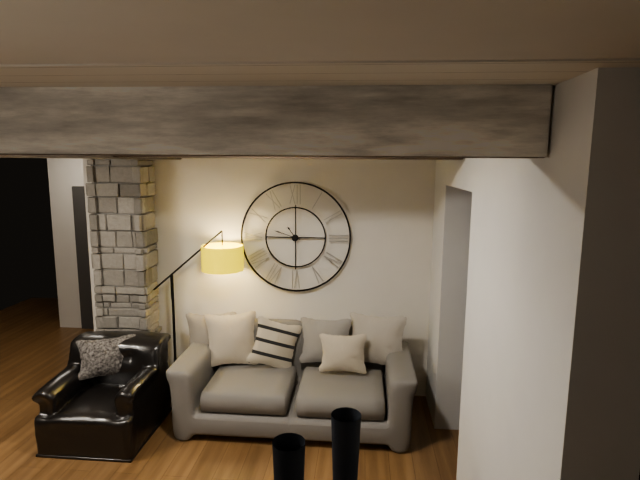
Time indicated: 10h48
